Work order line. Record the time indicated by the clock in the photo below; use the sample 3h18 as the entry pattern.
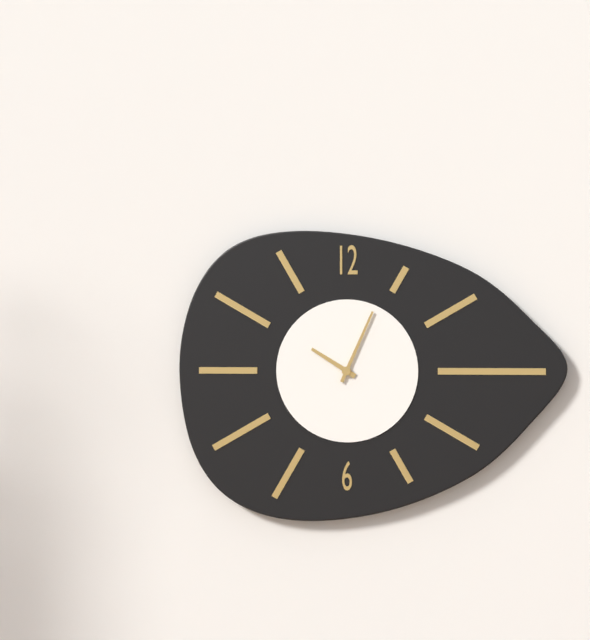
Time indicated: 10h04
